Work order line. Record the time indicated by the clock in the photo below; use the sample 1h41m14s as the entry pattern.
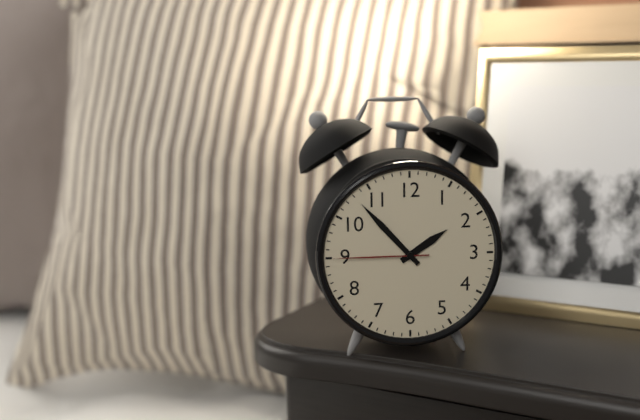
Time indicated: 1h53m45s
